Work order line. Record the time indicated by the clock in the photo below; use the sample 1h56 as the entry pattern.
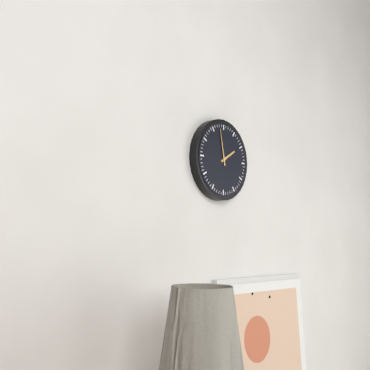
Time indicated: 1h58
